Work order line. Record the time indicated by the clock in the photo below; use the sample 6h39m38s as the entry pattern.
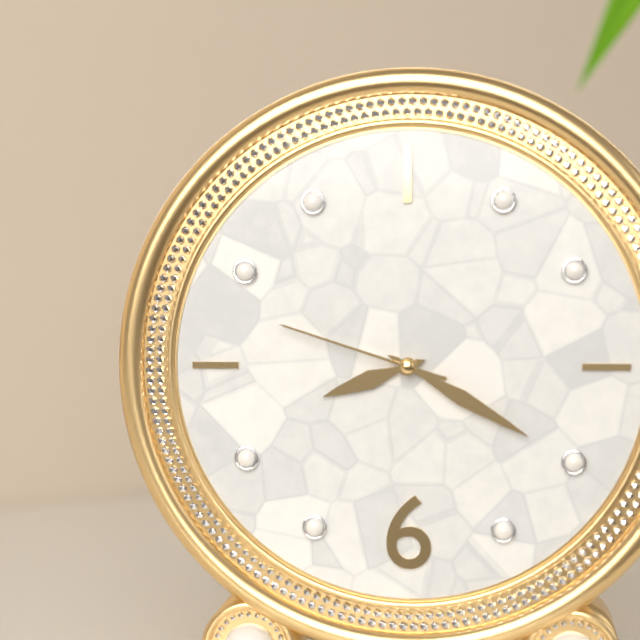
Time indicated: 8h20m48s
